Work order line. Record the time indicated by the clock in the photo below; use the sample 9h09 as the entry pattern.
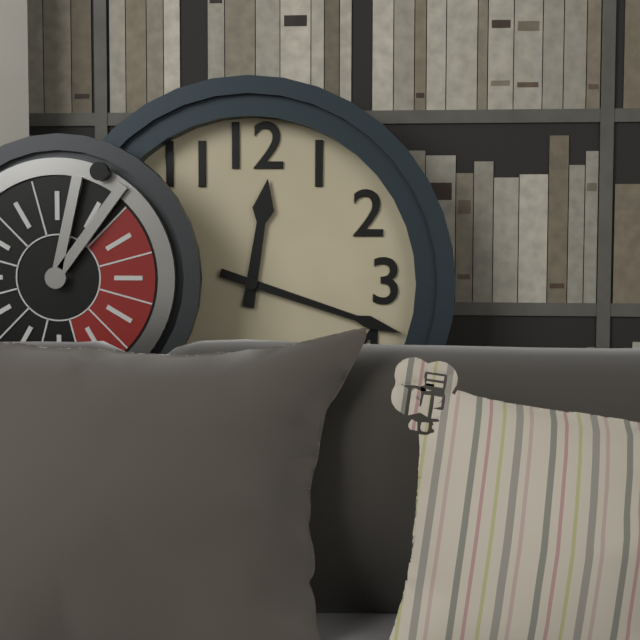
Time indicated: 12h18
